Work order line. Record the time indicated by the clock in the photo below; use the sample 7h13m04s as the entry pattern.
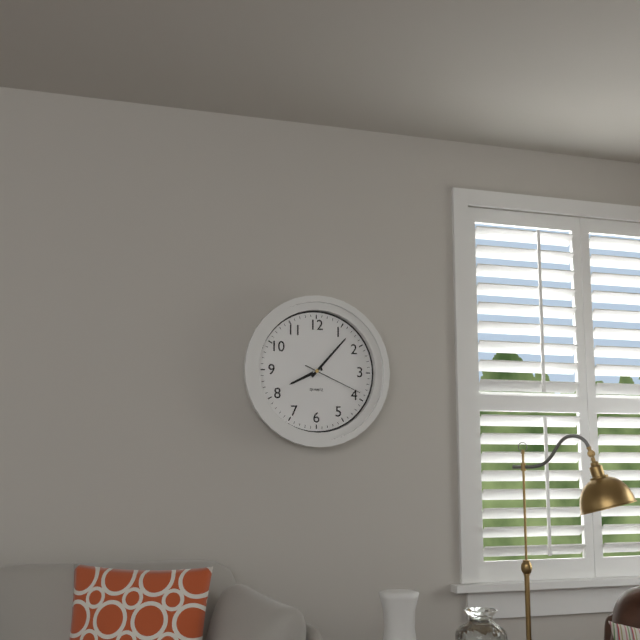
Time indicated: 8h07m19s
